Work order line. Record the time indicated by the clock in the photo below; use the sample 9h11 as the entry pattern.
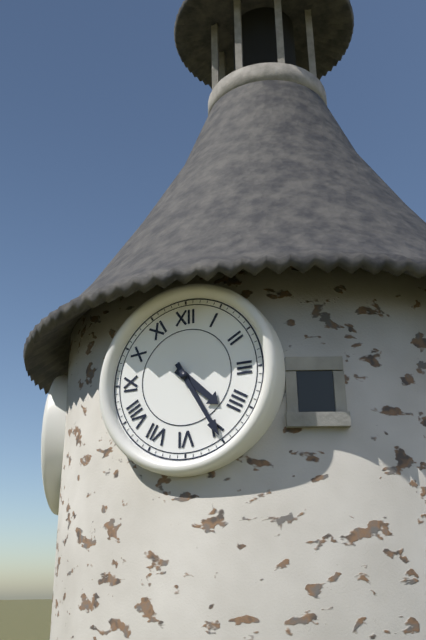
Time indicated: 4h25
